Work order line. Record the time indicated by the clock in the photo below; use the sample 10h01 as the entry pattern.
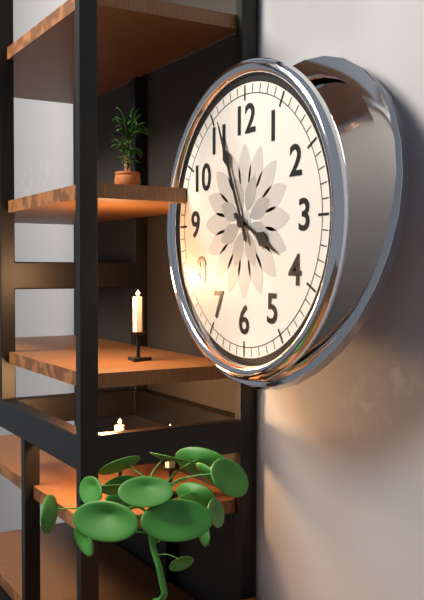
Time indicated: 3h56
